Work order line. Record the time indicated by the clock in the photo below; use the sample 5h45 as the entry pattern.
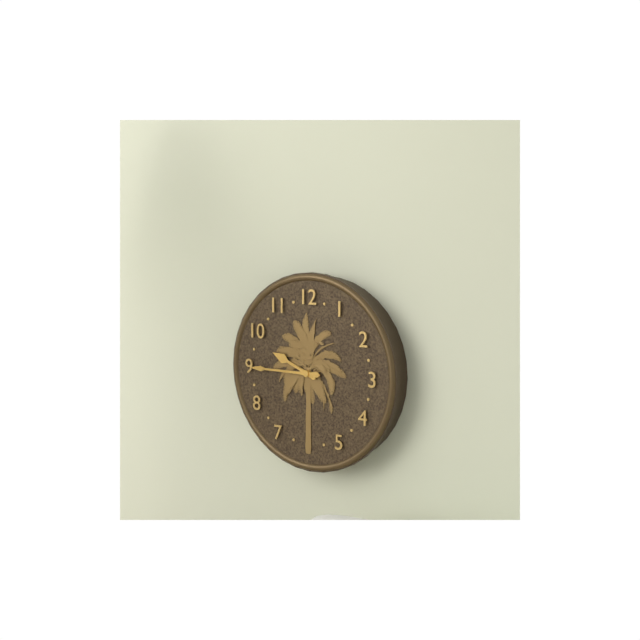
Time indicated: 9h45
